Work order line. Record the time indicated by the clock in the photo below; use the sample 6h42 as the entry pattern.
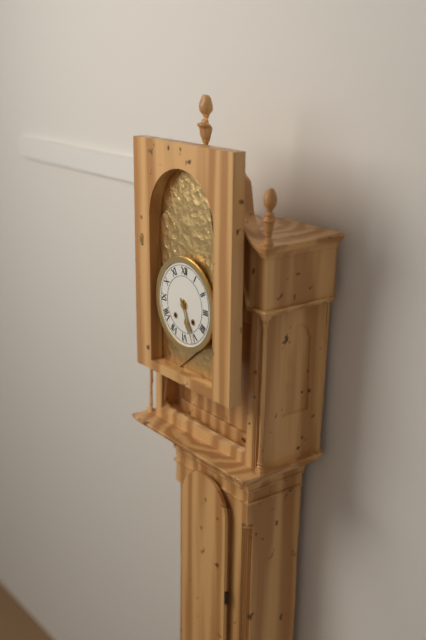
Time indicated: 5h26
